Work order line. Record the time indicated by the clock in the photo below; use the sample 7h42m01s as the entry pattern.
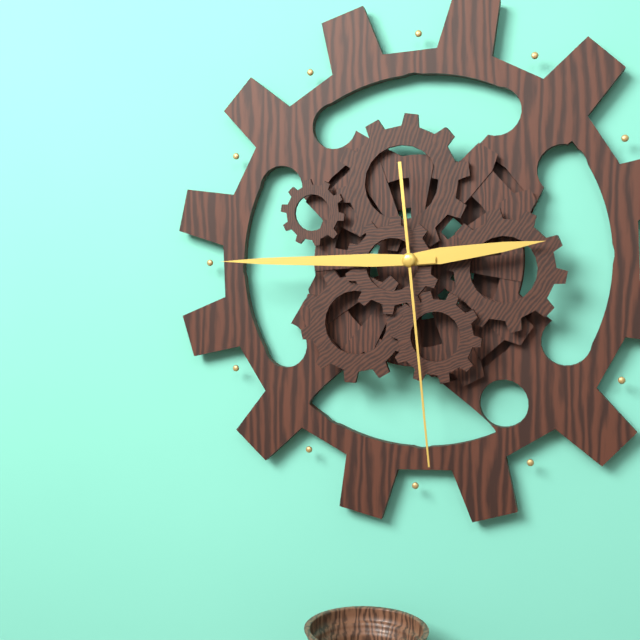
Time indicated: 2h45m29s
